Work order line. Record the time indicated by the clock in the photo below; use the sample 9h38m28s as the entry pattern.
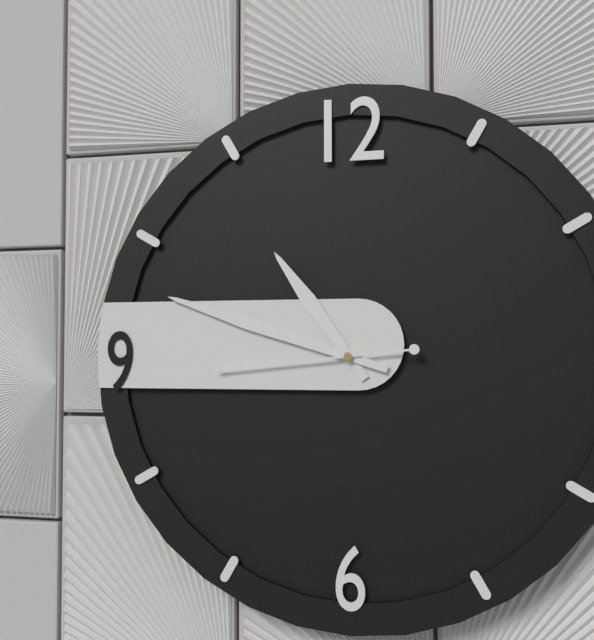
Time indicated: 10h48m44s
